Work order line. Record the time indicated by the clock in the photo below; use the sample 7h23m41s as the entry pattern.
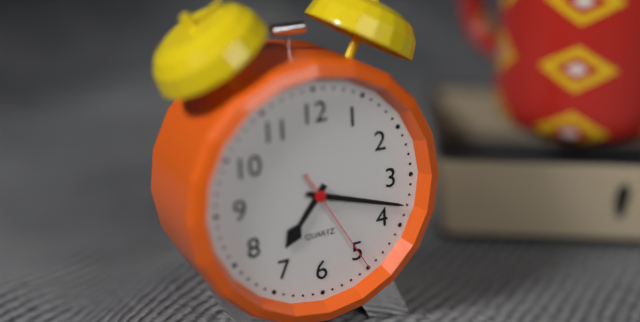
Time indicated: 7h18m25s
